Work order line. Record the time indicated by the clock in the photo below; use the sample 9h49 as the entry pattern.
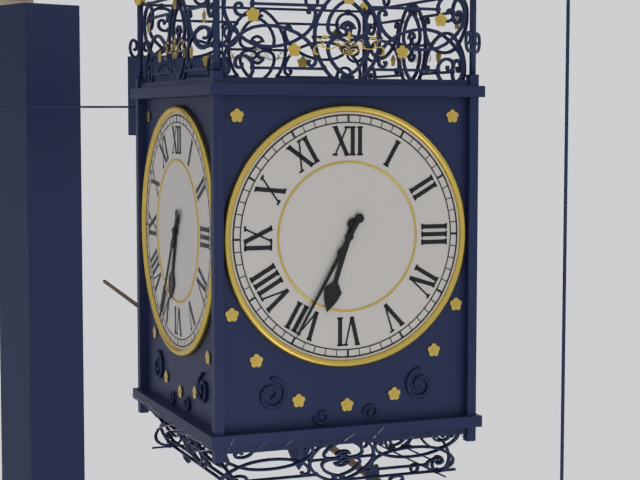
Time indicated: 6h35
